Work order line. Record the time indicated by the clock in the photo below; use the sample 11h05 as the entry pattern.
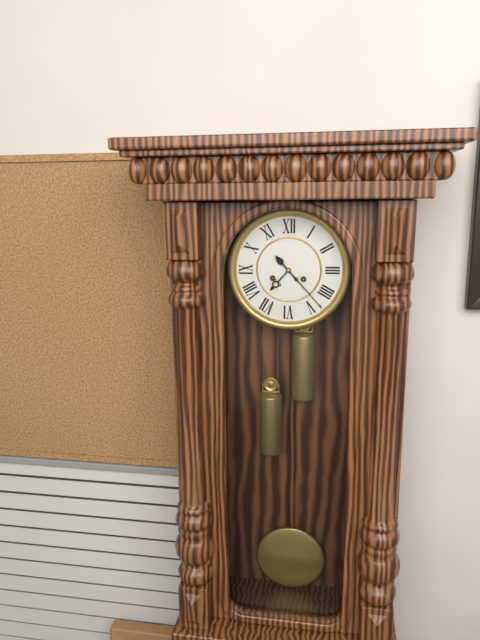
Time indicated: 7h23
